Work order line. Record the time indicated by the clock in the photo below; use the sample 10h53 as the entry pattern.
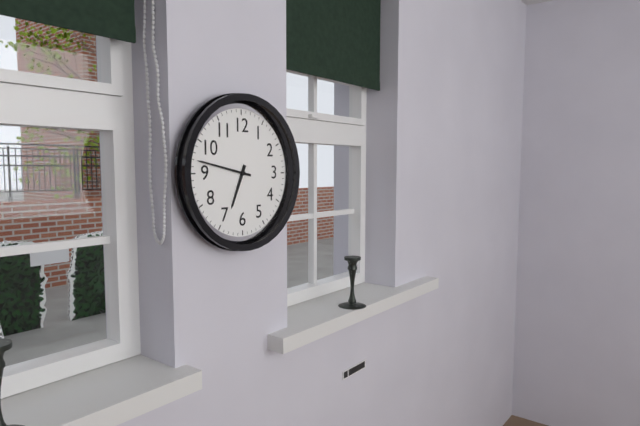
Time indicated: 6h47
